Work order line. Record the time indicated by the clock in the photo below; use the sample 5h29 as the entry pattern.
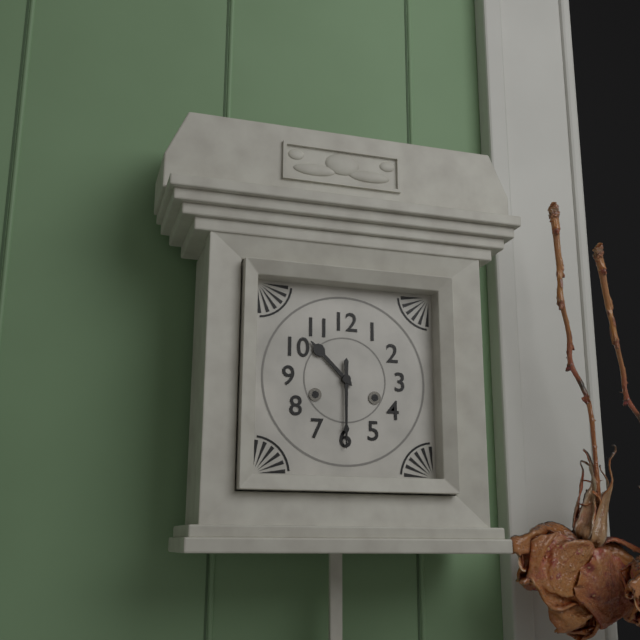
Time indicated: 10h30
